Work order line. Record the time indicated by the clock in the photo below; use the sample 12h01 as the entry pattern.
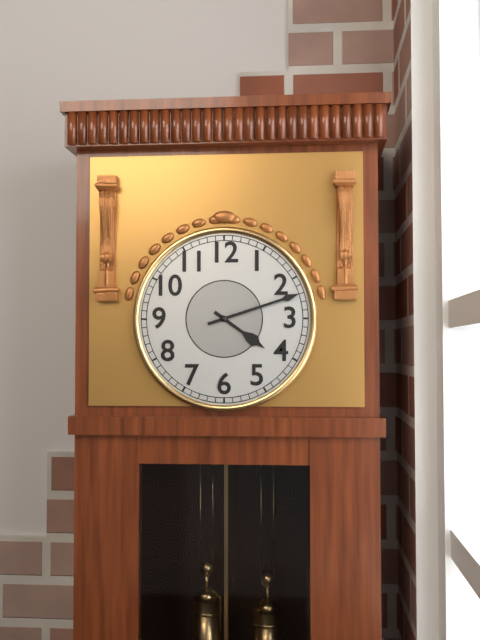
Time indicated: 4h12
